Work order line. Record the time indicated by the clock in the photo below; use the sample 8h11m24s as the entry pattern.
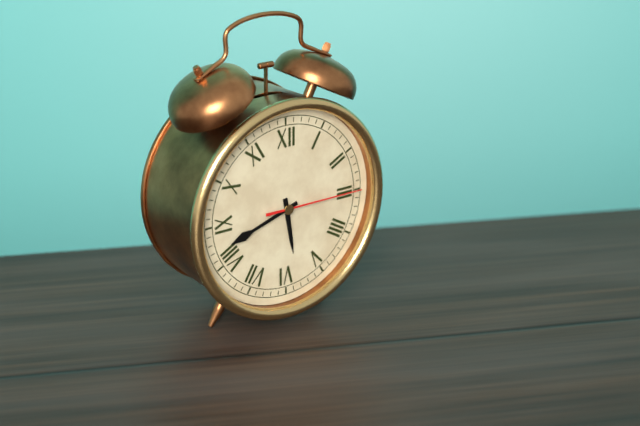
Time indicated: 5h42m15s
